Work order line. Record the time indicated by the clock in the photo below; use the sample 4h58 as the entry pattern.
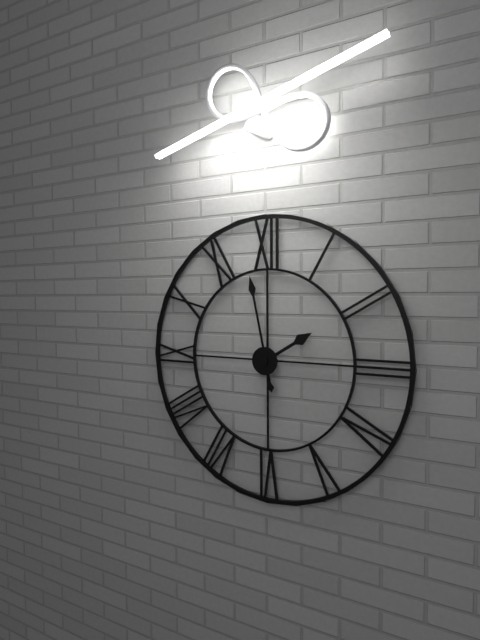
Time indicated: 1h58
